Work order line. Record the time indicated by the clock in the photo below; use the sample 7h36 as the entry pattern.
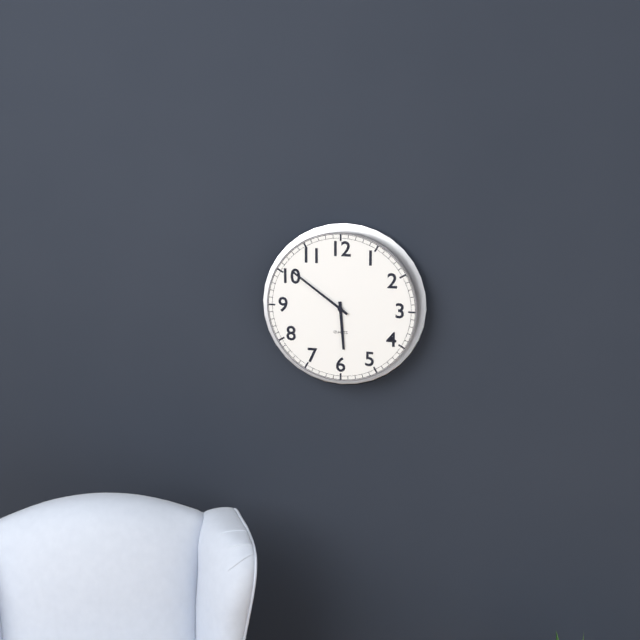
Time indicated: 5h51
